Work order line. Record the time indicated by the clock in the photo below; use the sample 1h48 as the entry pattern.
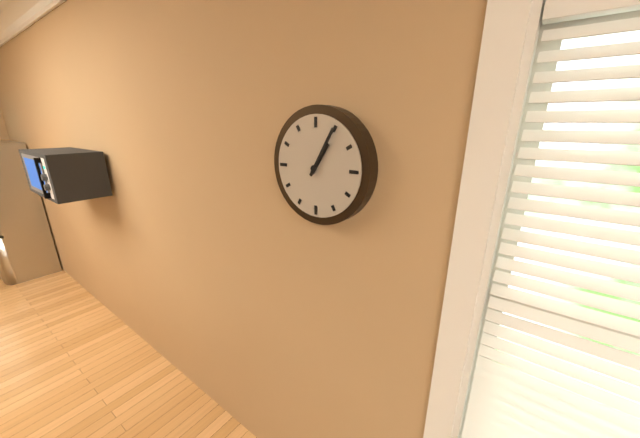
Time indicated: 1h05
